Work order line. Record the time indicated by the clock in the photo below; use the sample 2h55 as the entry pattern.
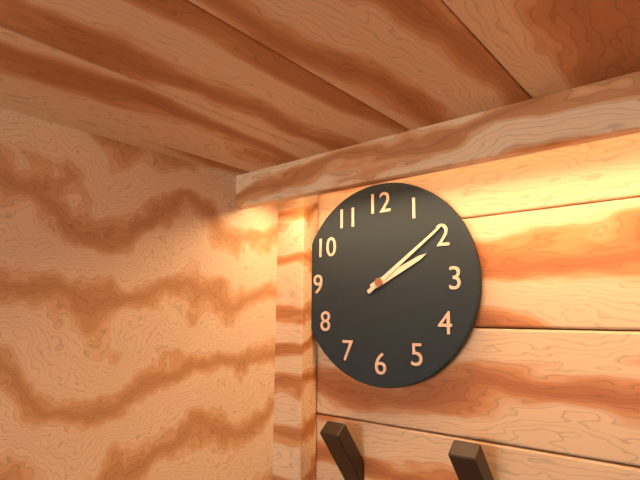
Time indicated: 2h09
